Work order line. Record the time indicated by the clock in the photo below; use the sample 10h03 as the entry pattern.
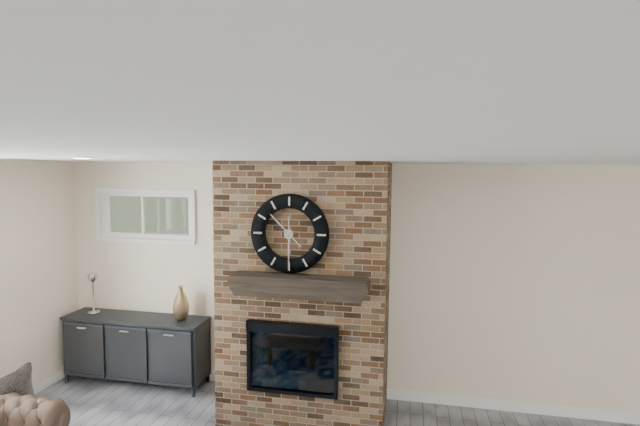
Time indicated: 10h30
